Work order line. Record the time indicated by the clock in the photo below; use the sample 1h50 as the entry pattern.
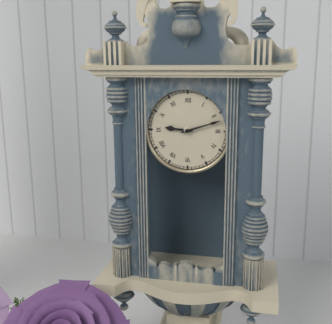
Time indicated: 9h12
